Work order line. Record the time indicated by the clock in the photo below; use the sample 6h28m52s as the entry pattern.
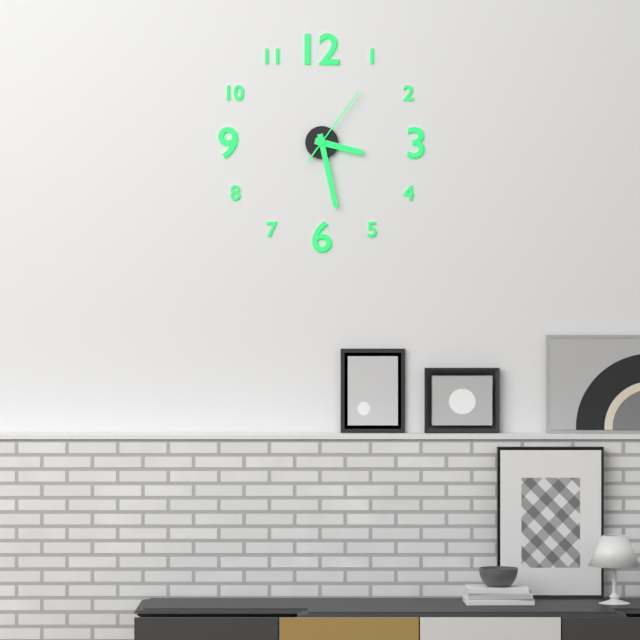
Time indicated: 3h28m06s
